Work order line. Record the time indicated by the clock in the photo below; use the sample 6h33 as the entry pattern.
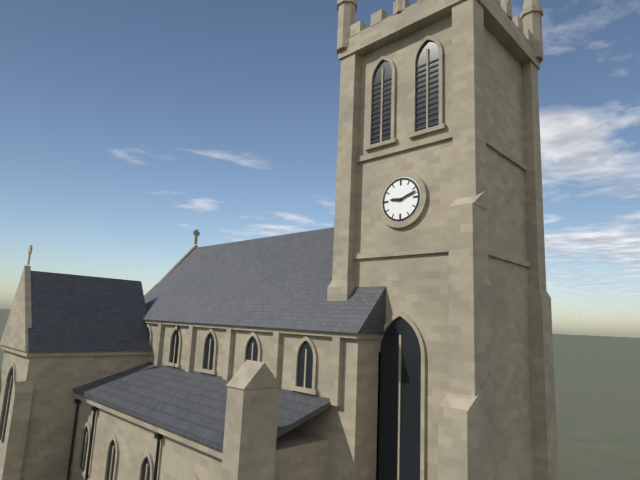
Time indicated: 9h12
